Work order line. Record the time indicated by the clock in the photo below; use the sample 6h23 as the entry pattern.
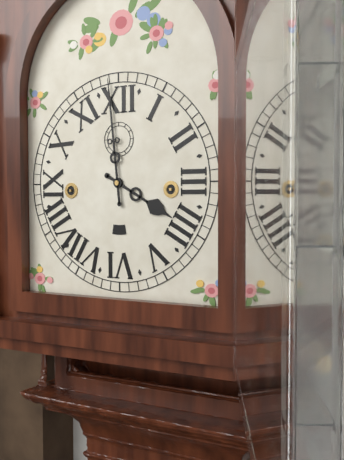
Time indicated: 3h59
